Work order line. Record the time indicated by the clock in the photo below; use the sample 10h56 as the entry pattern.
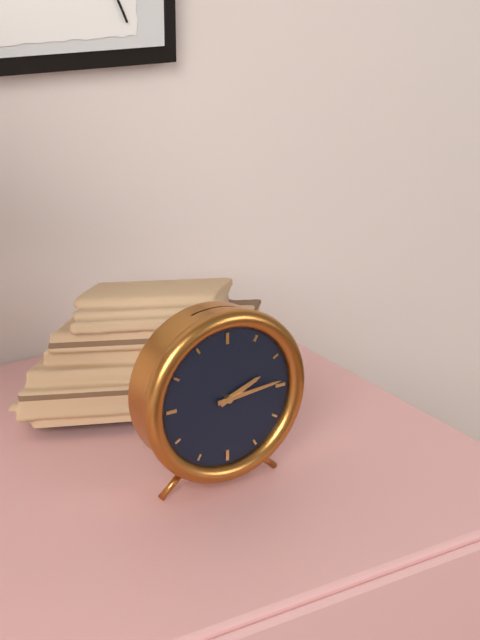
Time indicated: 2h14
